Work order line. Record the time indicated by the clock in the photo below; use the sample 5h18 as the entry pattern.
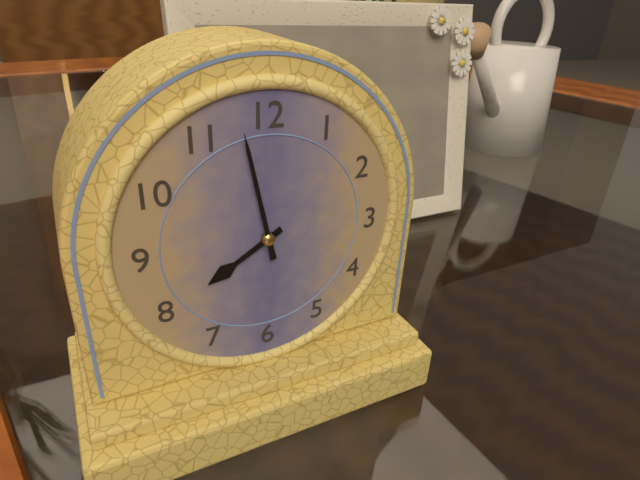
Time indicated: 7h58
